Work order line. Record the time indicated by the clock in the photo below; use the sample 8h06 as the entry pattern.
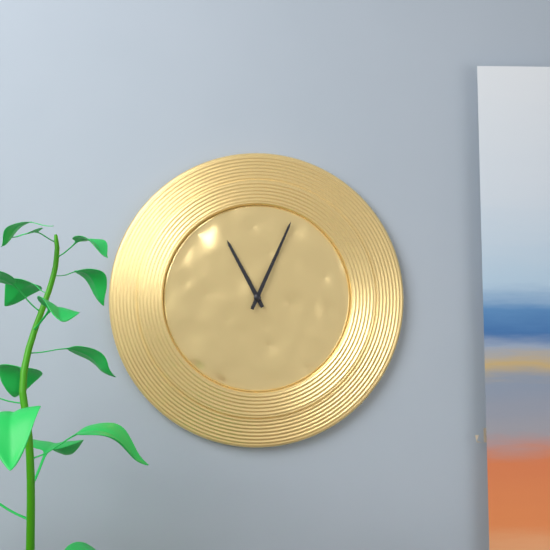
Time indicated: 11h04
